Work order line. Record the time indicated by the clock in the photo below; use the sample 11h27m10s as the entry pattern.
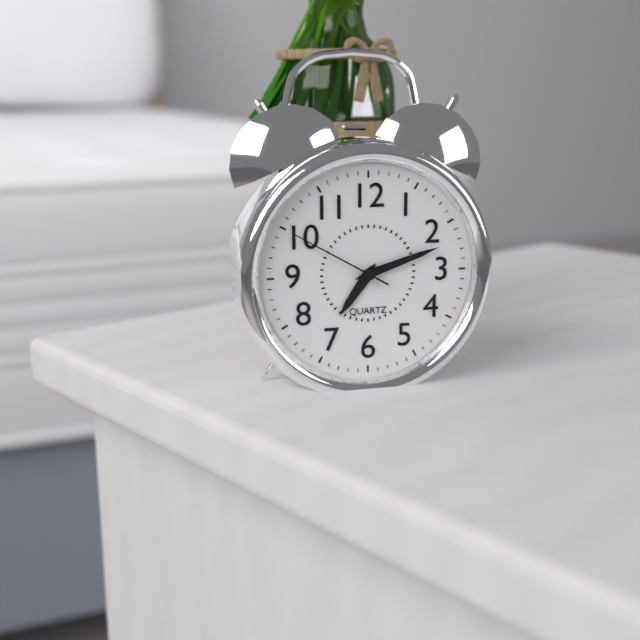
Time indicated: 7h12m50s
